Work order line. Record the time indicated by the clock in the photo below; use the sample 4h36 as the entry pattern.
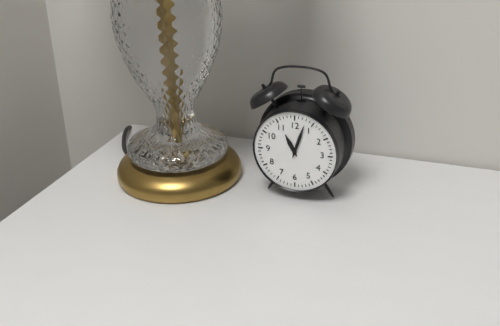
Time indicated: 11h03
